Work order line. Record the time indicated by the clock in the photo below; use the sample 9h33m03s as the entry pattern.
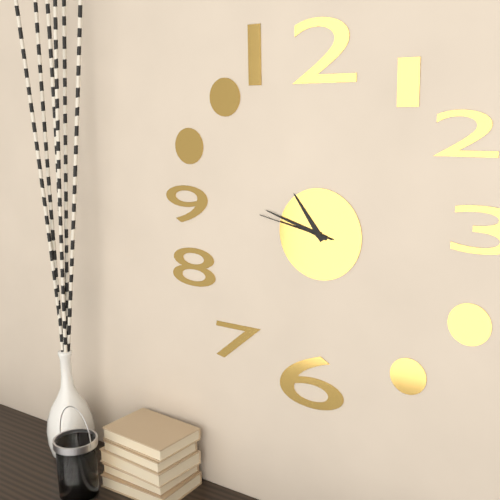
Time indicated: 10h48m47s
